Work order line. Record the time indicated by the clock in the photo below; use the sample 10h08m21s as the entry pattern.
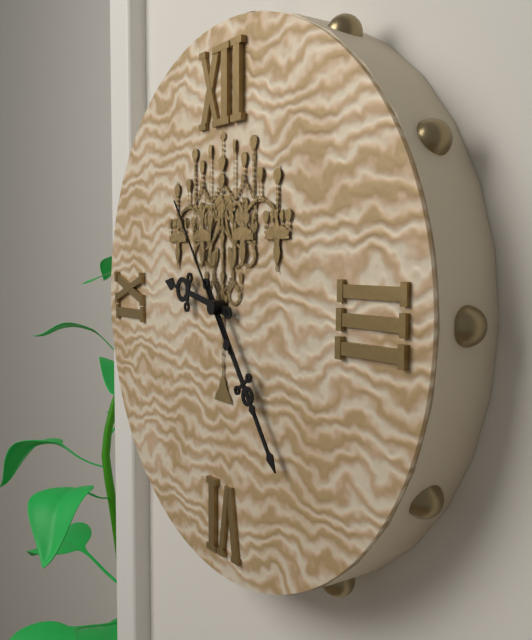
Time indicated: 9h24m54s
